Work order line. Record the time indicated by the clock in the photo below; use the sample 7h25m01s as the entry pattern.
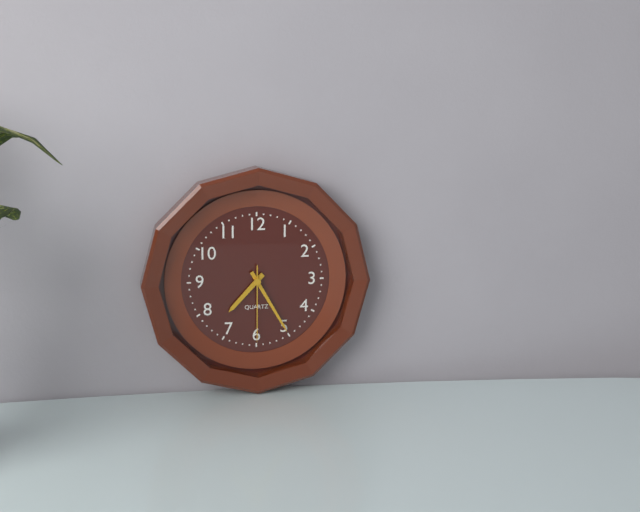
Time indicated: 7h25m30s
